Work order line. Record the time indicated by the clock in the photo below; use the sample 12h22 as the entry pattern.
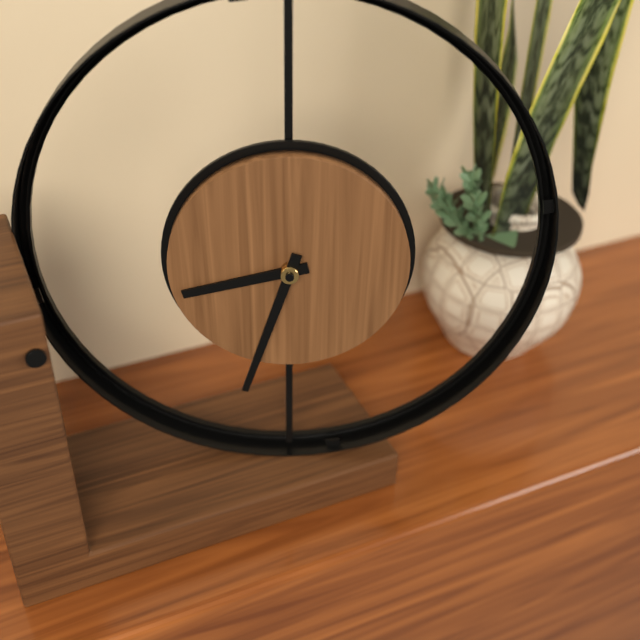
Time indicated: 8h33
